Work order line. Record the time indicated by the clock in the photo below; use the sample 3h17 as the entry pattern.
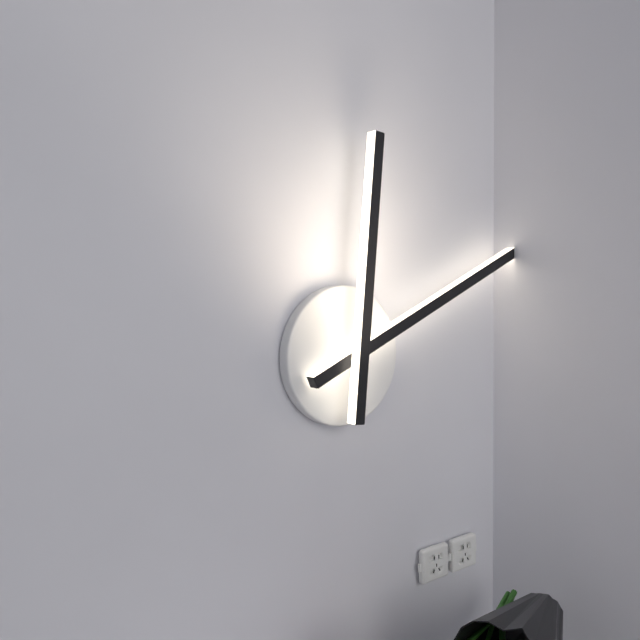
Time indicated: 12h11
